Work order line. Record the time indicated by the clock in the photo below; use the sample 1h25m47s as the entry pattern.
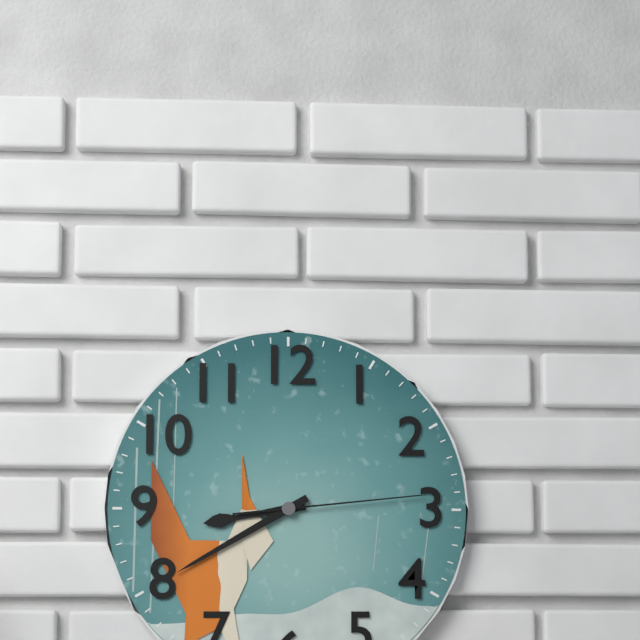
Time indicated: 8h40m14s
